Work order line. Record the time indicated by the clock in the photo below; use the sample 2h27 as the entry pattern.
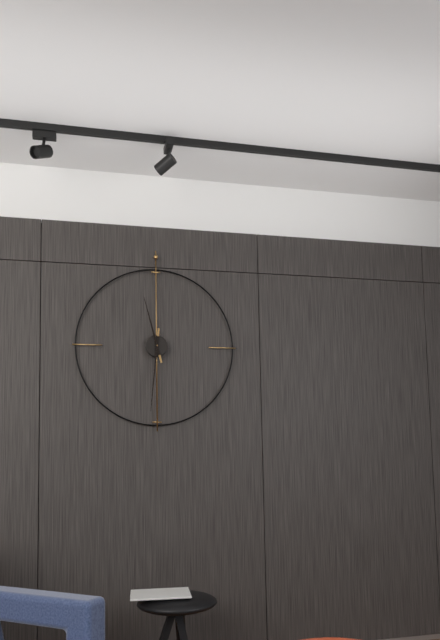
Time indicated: 11h31
